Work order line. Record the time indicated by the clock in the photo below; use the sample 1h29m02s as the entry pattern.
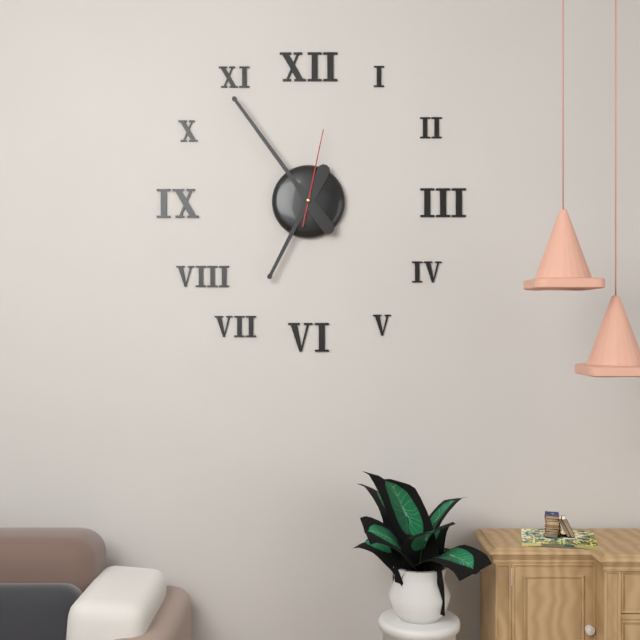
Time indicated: 6h54m02s
